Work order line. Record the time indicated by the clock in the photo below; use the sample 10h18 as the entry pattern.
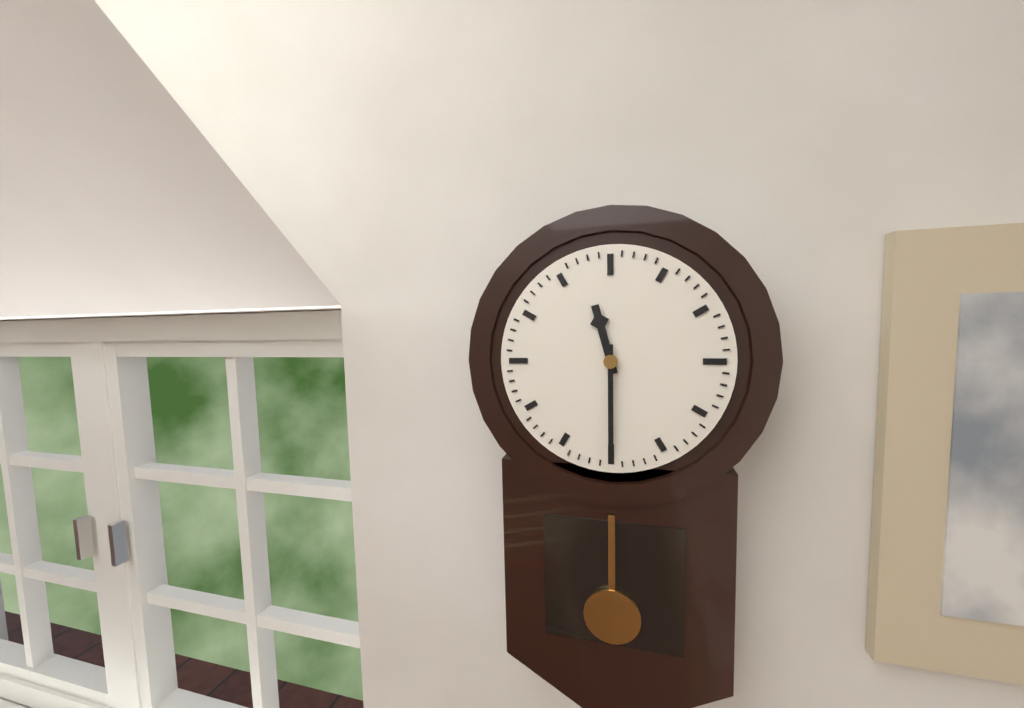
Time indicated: 11h30
